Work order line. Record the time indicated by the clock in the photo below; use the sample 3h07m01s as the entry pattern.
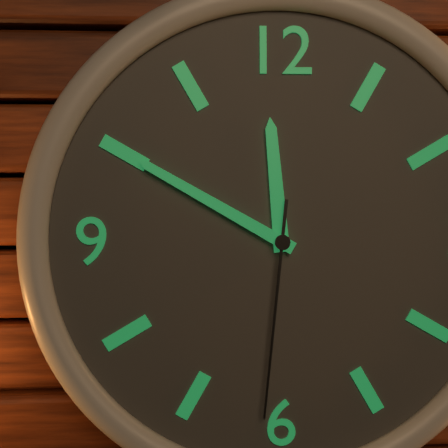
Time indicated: 11h50m31s
